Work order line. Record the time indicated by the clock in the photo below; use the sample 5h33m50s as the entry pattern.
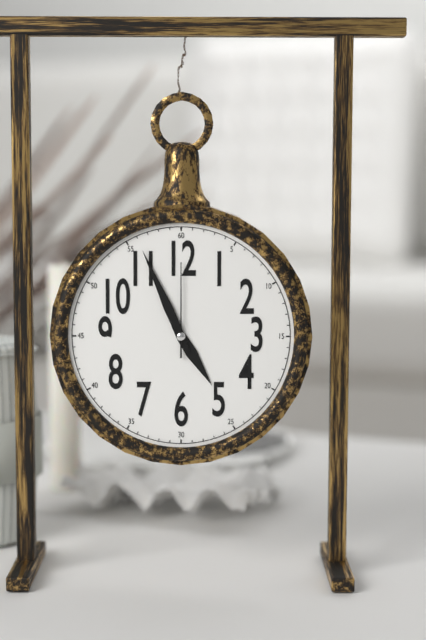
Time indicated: 4h56m00s
